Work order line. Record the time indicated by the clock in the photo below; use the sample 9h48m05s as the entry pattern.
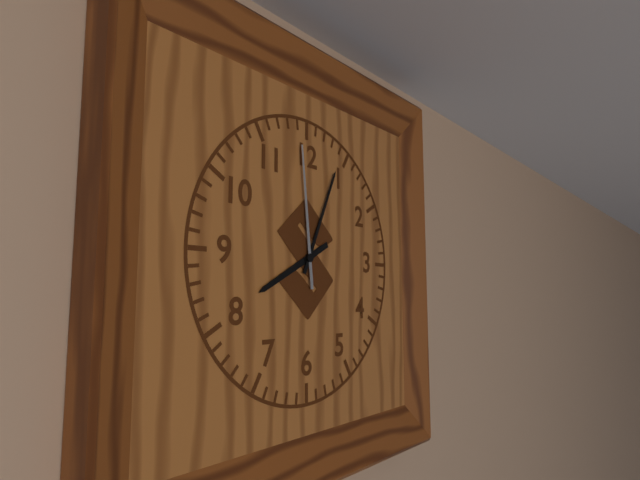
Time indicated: 8h04m59s
